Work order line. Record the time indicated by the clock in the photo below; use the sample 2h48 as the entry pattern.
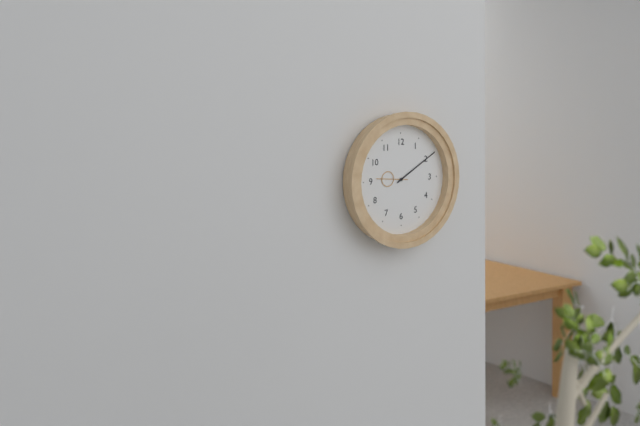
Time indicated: 9h10
